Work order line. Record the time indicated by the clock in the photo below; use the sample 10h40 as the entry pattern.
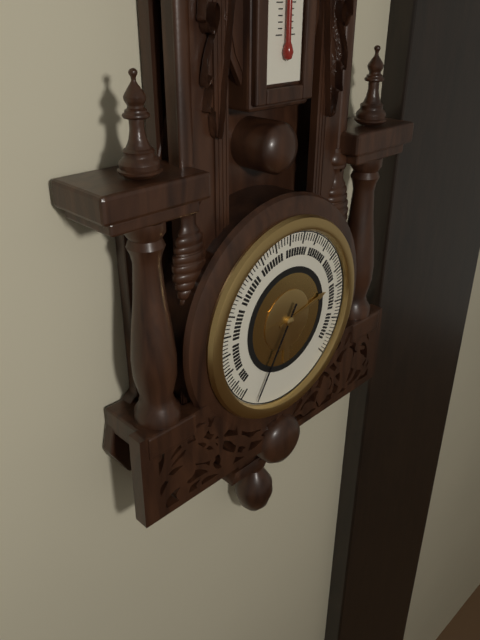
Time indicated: 2h35
